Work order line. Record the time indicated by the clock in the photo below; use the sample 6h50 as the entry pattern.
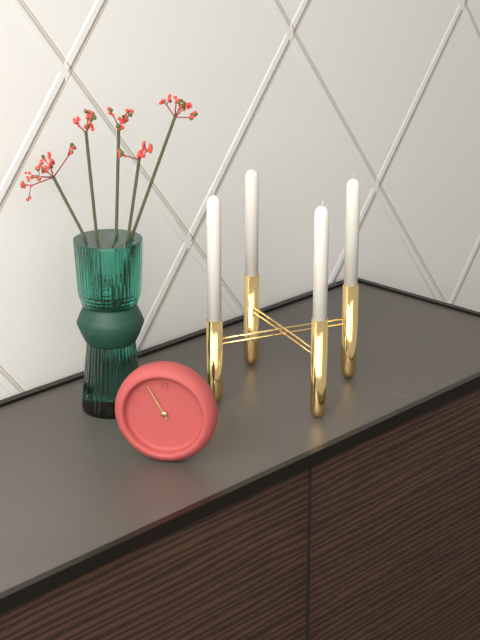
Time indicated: 10h55
